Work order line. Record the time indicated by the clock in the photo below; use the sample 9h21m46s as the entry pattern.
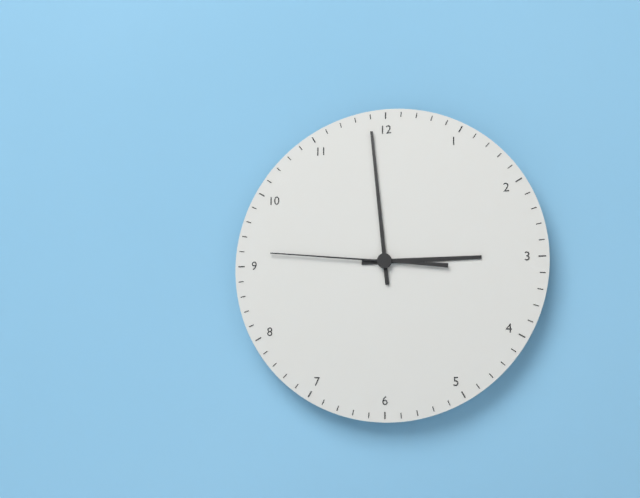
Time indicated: 2h59m46s
